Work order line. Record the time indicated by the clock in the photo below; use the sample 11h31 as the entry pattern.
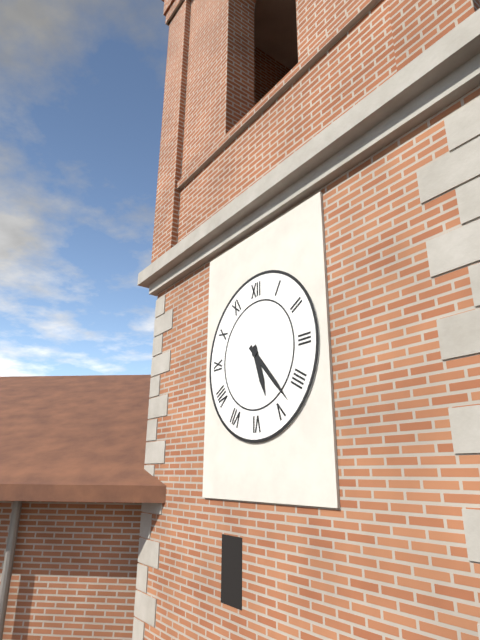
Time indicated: 5h23
